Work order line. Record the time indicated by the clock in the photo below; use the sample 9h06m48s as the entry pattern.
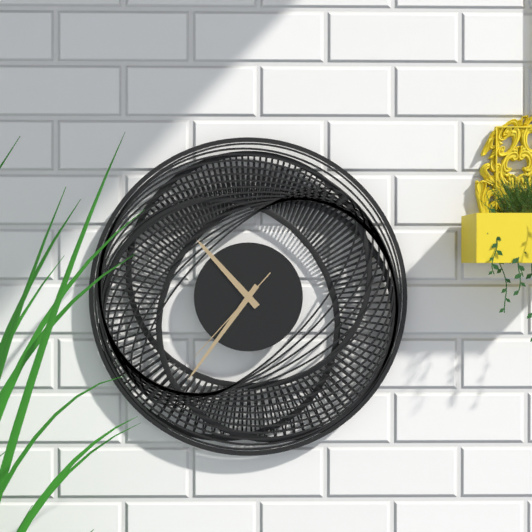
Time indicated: 10h36m37s
